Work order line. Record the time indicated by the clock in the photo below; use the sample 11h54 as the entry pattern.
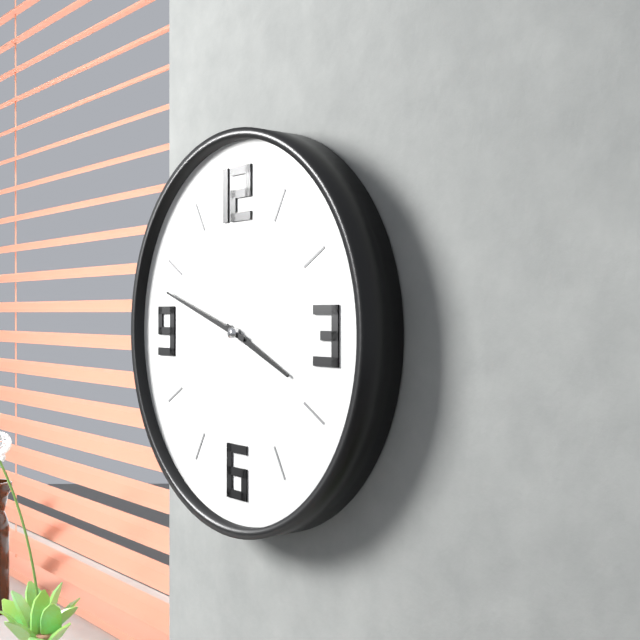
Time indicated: 3h48
